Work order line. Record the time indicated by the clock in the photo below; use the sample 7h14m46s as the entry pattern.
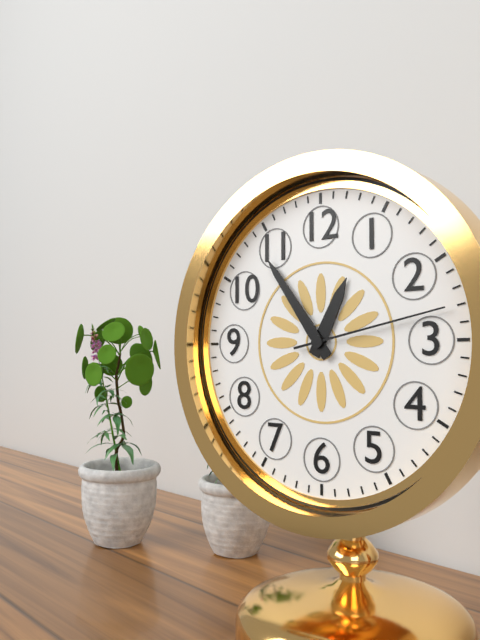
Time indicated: 12h54m13s
